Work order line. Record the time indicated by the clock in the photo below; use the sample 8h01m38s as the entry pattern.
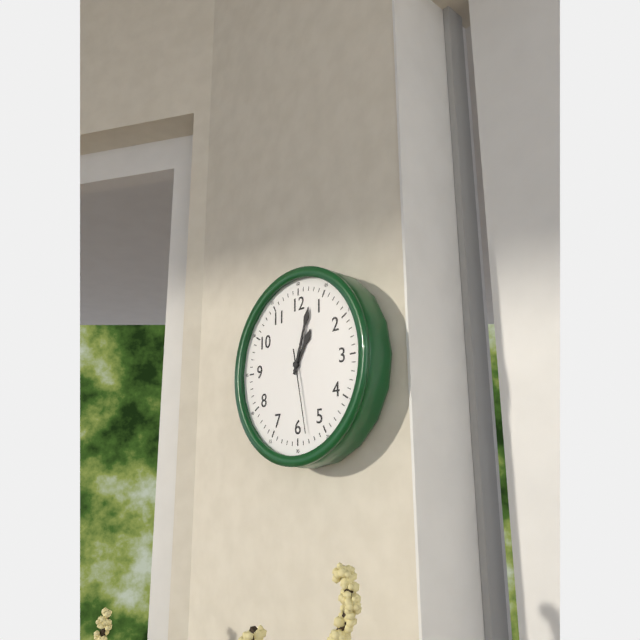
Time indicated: 1h03m28s
